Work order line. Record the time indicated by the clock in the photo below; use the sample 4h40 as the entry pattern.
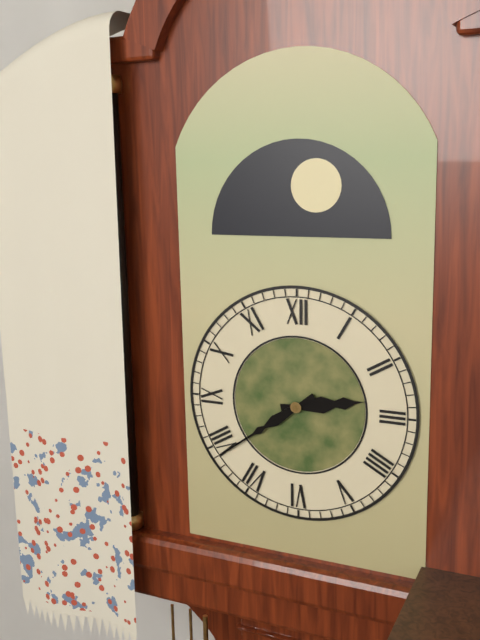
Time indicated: 2h39
